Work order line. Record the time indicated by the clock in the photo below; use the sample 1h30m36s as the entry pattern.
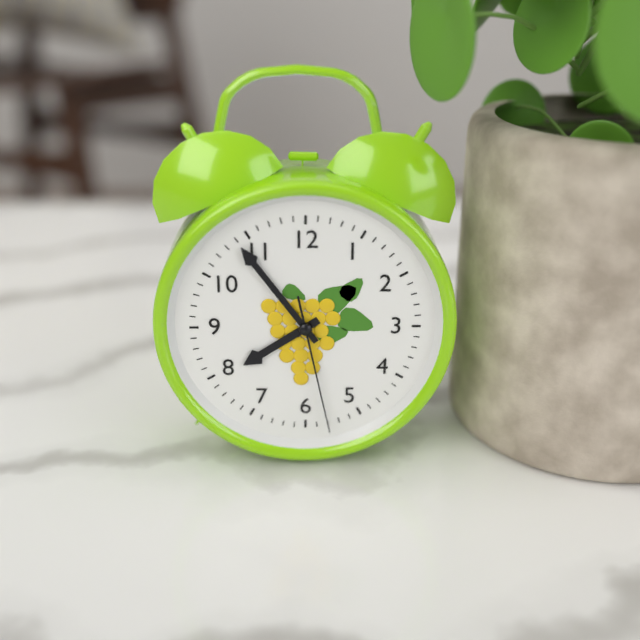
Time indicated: 7h54m28s
